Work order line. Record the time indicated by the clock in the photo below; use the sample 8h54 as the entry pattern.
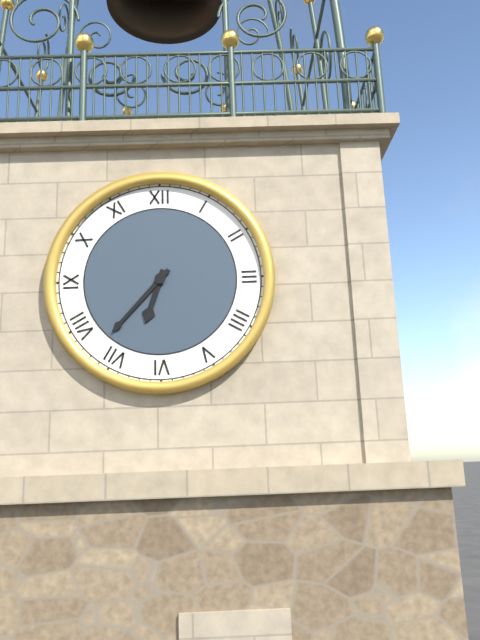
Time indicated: 6h37
